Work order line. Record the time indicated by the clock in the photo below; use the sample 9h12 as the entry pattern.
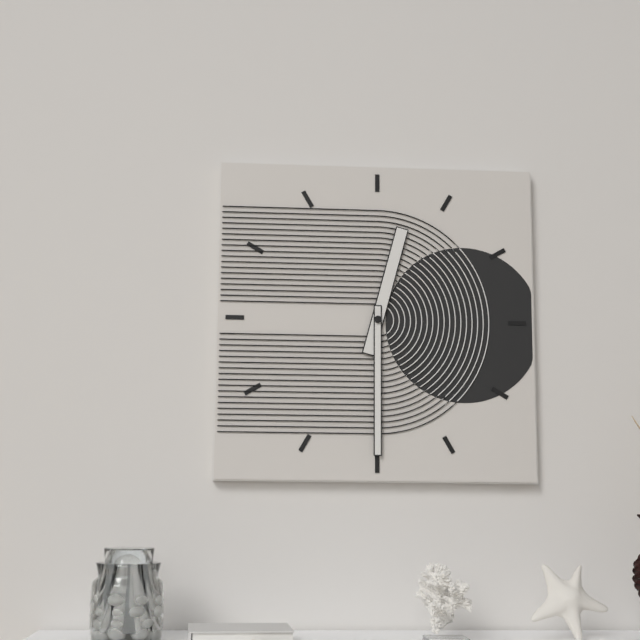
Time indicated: 12h30
